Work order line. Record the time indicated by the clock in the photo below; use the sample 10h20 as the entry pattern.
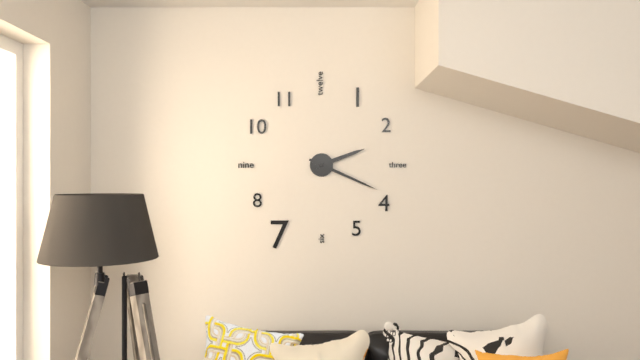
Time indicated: 2h19
